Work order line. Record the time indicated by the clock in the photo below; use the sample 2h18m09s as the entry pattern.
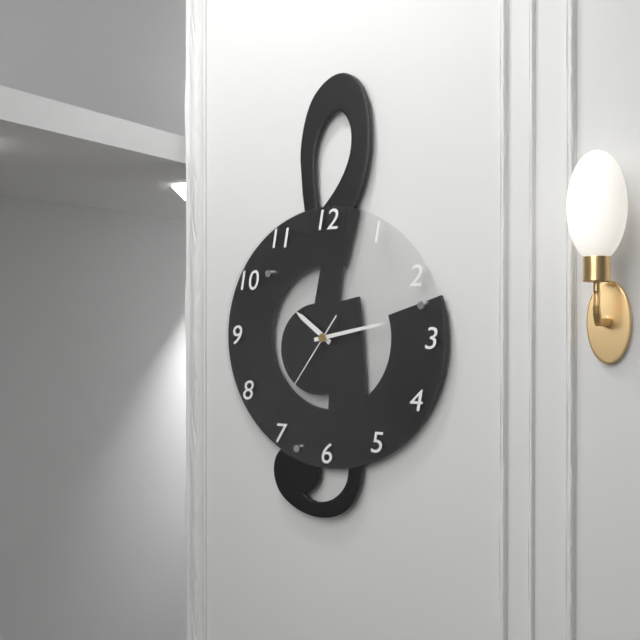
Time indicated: 10h13m36s
